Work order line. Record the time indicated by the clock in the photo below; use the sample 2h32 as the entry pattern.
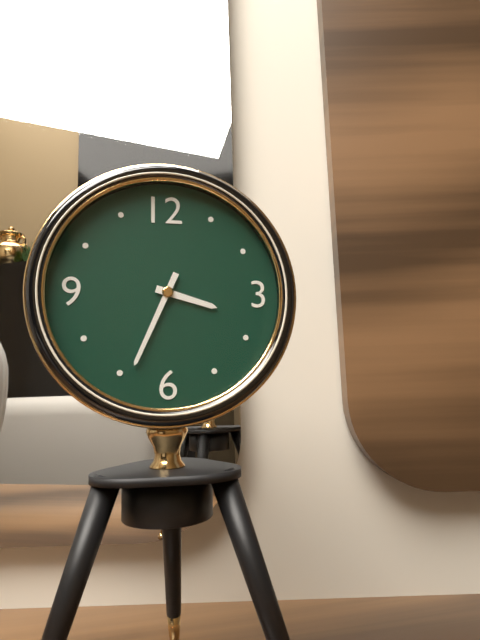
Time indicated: 3h34
